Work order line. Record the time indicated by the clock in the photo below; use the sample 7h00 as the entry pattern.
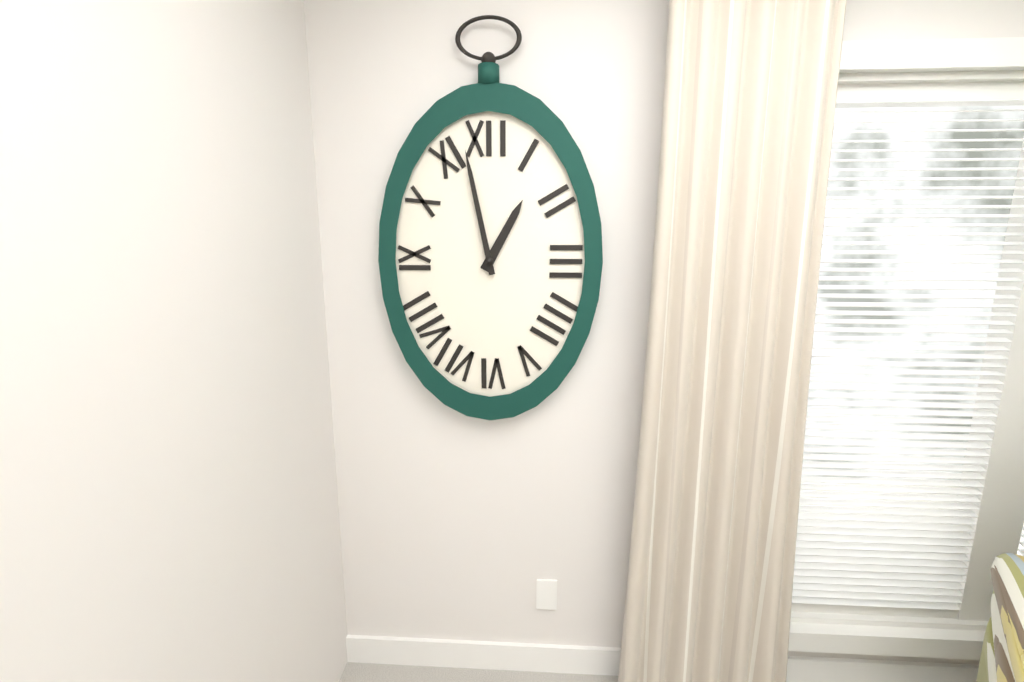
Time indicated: 12h58
